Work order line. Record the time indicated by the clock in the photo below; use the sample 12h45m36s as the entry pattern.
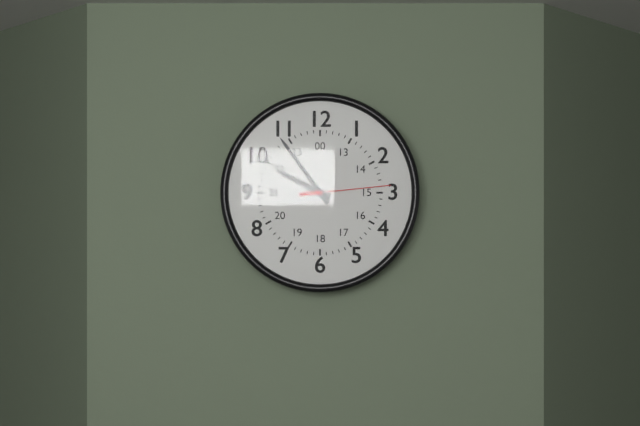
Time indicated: 9h54m14s
